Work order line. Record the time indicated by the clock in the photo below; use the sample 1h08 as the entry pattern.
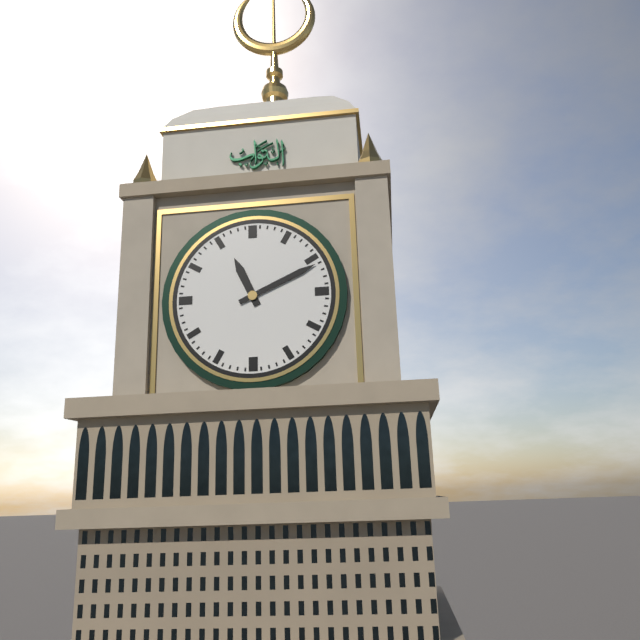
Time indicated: 11h11
